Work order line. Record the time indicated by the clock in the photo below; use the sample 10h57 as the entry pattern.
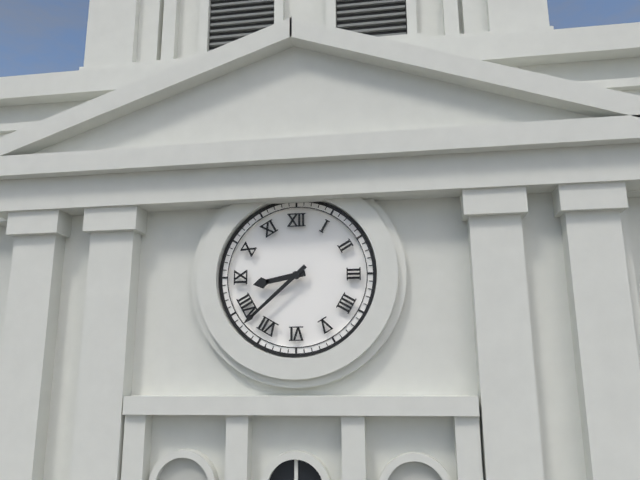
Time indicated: 8h38
